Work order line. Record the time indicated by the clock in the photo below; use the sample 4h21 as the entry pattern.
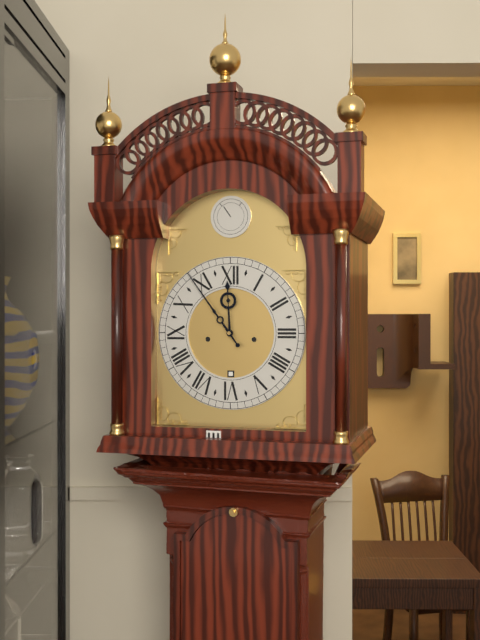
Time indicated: 11h54
